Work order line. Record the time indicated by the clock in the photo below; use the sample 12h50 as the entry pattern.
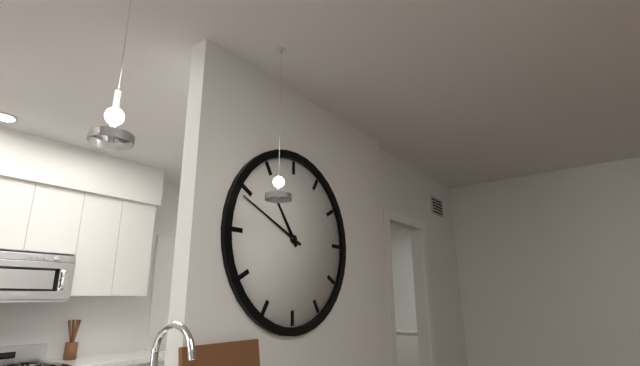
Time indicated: 10h49
